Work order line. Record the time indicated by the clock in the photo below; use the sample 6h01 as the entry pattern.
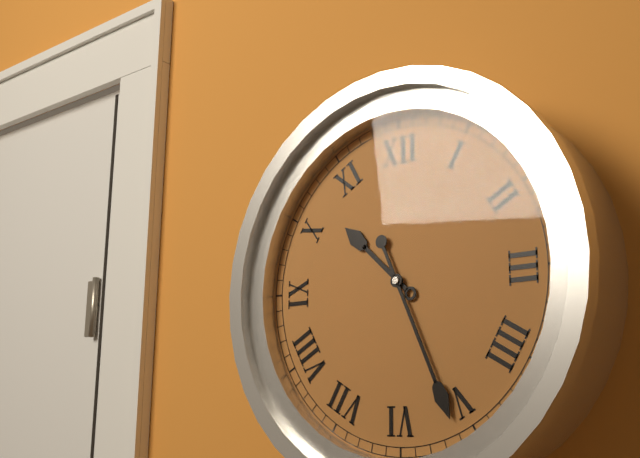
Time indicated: 10h26
